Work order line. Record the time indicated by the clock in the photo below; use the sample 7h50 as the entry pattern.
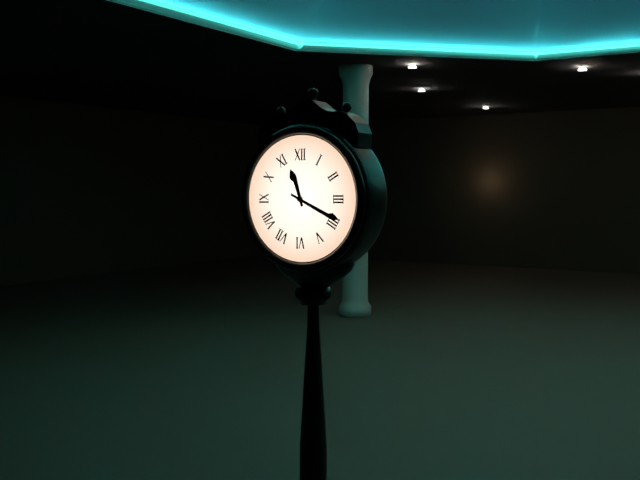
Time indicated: 11h19
